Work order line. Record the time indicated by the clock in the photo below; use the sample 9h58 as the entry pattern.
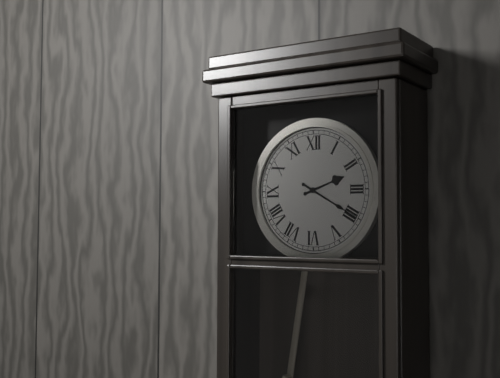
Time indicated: 2h20
